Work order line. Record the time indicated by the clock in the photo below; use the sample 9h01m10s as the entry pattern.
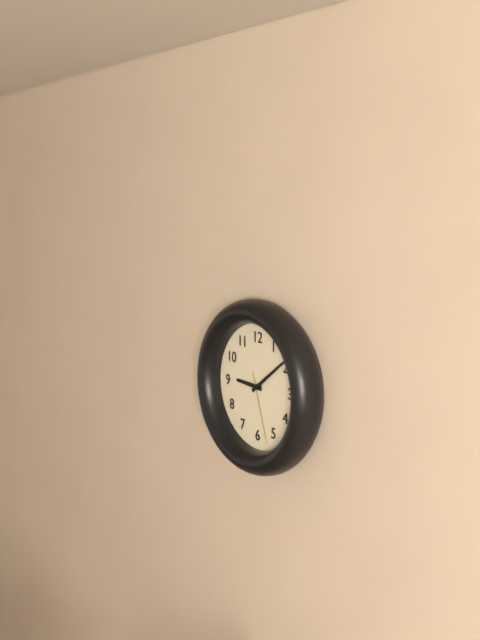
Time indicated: 9h09m27s
